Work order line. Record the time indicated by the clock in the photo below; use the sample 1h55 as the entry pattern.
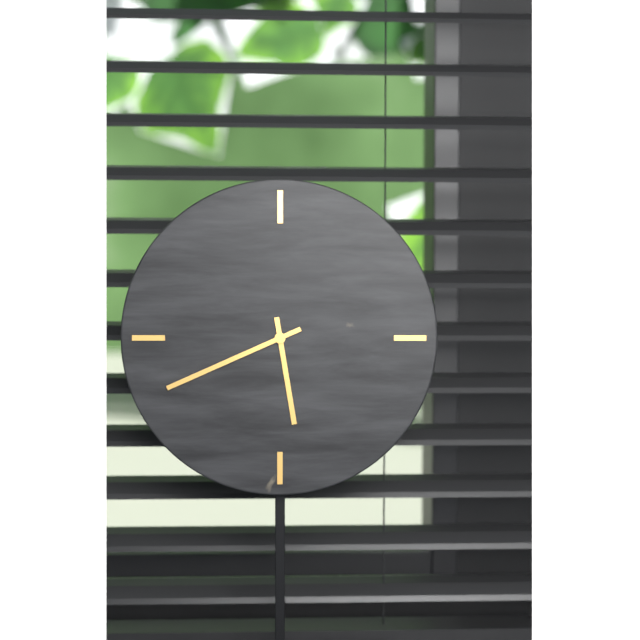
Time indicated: 5h41
